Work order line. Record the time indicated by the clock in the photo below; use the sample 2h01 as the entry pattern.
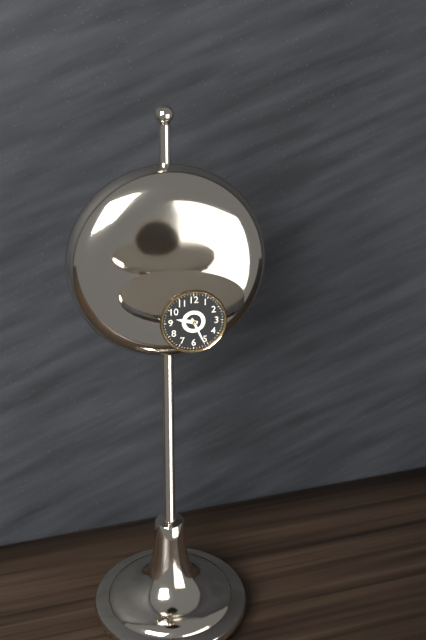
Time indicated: 9h26
